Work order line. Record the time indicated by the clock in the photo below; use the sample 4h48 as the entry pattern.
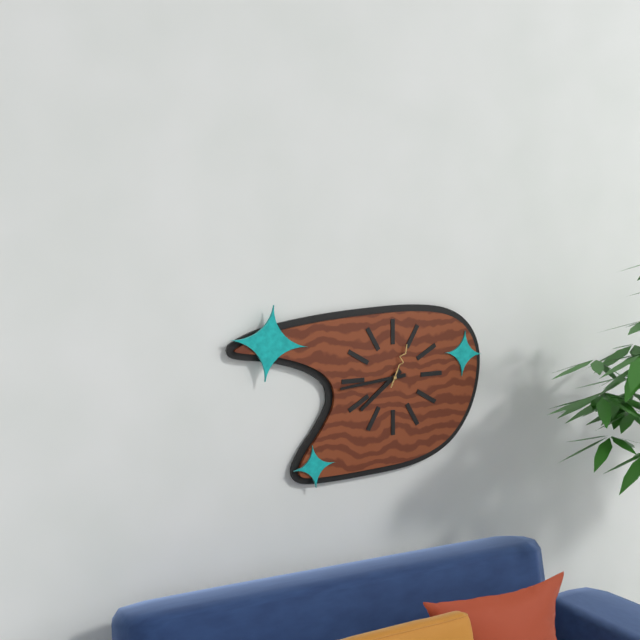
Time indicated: 7h44
